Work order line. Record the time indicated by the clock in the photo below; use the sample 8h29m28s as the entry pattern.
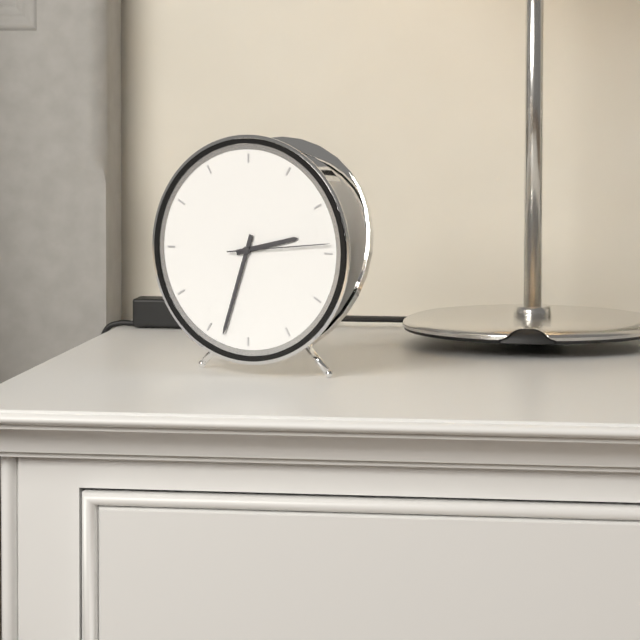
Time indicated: 2h33m14s
